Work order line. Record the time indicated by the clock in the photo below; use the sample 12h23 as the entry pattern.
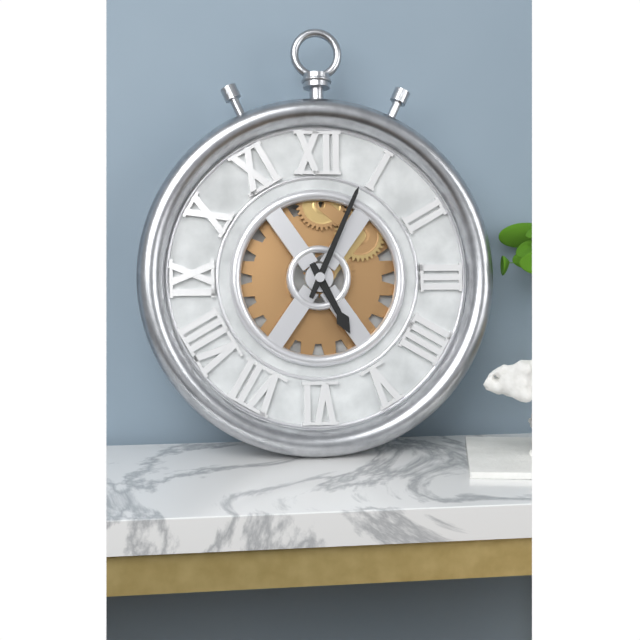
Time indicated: 5h04
